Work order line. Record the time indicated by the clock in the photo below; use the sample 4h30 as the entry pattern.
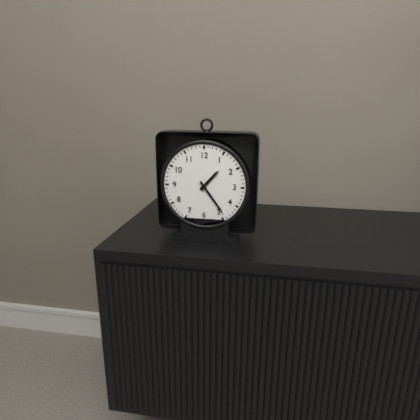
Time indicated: 1h24
